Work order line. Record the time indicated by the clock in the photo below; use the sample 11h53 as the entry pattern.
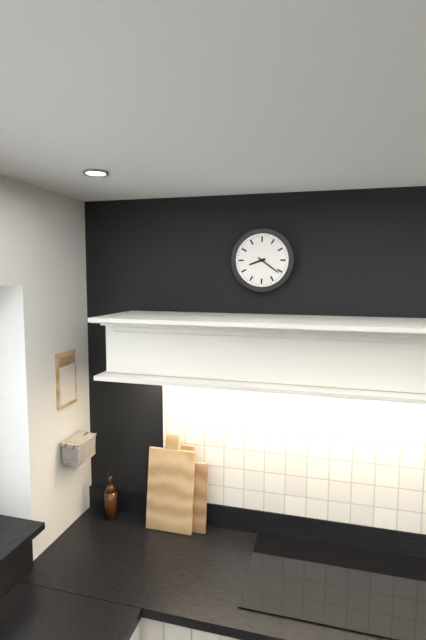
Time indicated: 8h21
